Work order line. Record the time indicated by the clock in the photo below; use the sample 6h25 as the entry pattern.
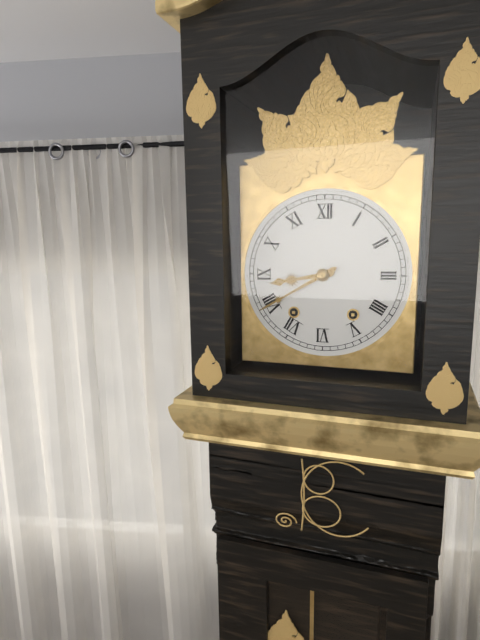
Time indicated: 8h40
